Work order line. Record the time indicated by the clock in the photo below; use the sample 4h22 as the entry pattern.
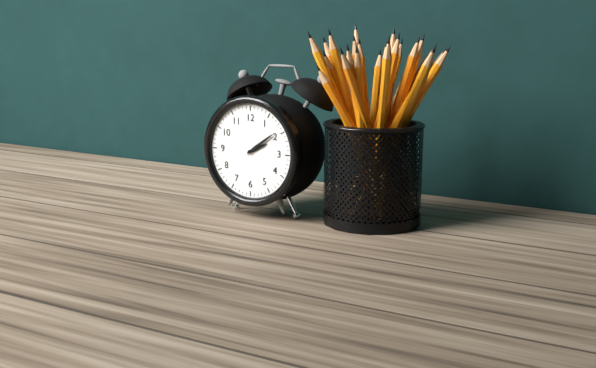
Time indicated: 2h09
